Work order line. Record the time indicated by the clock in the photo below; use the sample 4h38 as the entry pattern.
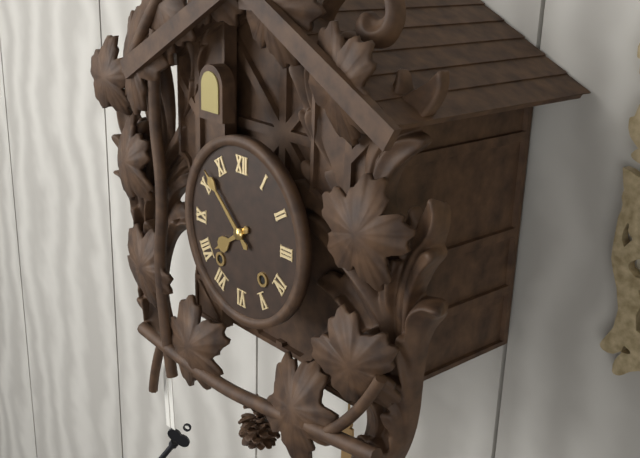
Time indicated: 7h52
